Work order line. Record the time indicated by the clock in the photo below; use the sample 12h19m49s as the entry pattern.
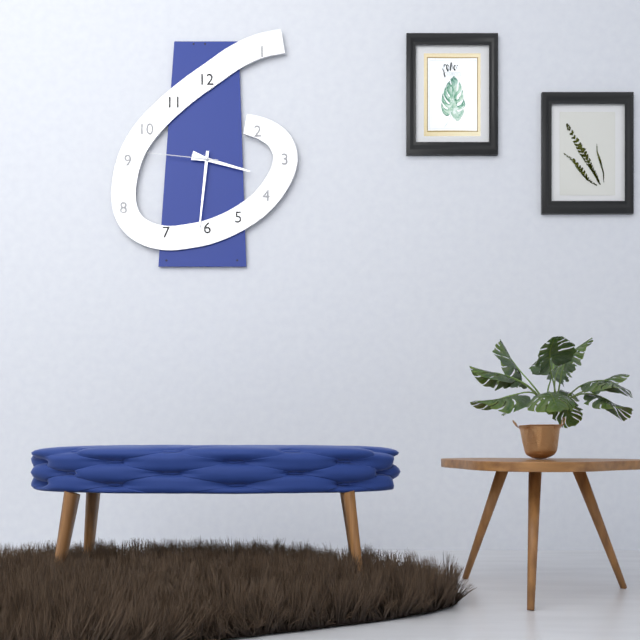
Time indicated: 3h31m46s
